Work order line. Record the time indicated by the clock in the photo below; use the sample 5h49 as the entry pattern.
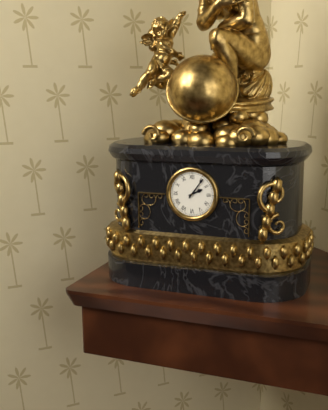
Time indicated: 2h06
